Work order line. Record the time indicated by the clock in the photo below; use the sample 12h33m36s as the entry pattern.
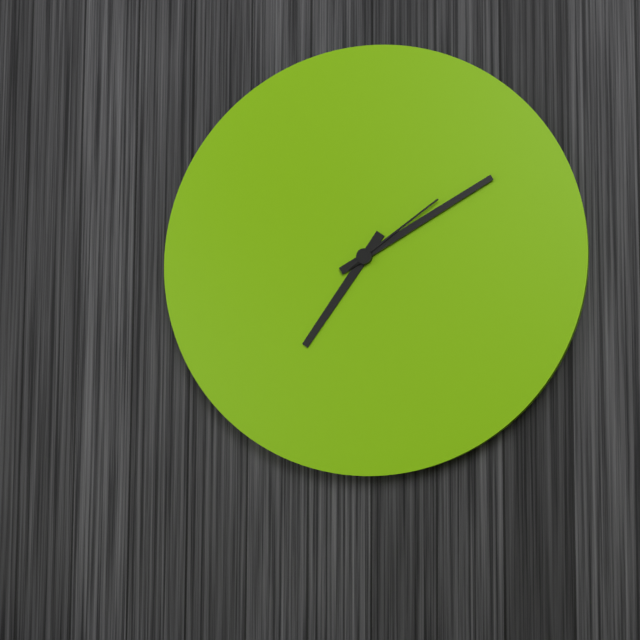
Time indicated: 7h10m09s
